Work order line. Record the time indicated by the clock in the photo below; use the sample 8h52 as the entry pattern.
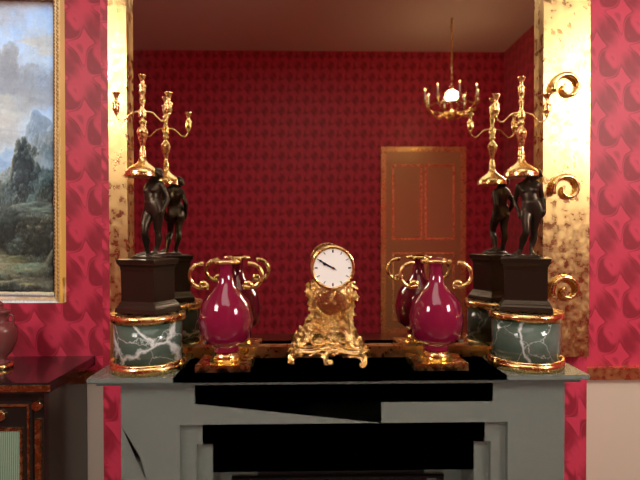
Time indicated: 9h50
